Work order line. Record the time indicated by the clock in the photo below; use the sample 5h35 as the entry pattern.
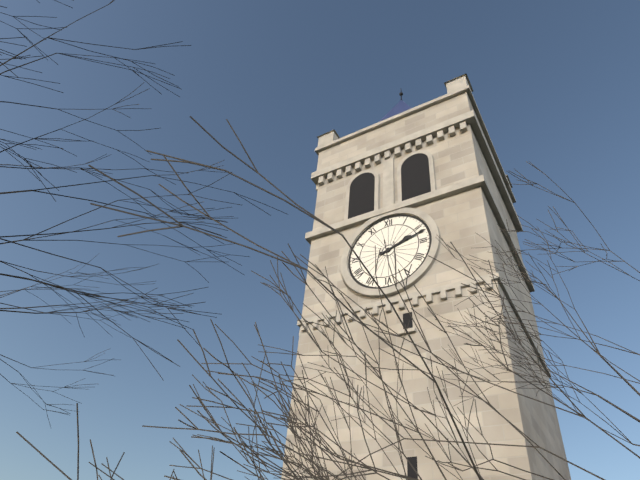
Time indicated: 2h12
